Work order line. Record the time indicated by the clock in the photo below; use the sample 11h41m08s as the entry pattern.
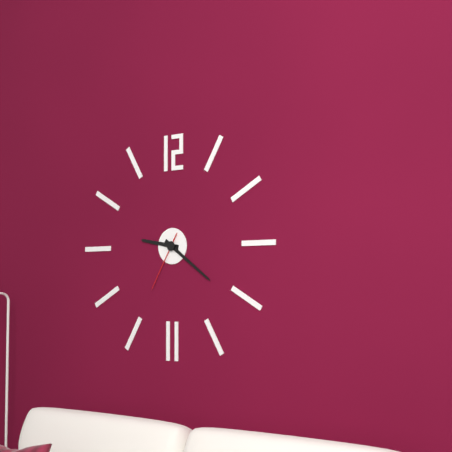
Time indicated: 9h21m35s
